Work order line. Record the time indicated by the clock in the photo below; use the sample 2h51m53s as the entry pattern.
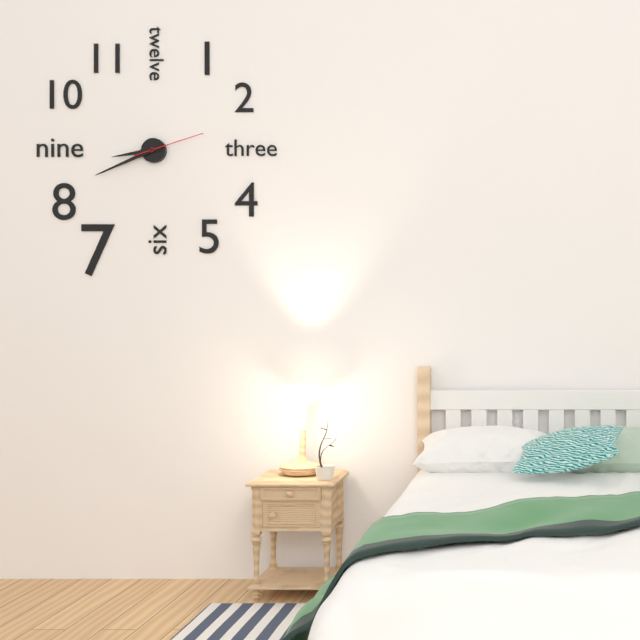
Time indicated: 8h41m12s
